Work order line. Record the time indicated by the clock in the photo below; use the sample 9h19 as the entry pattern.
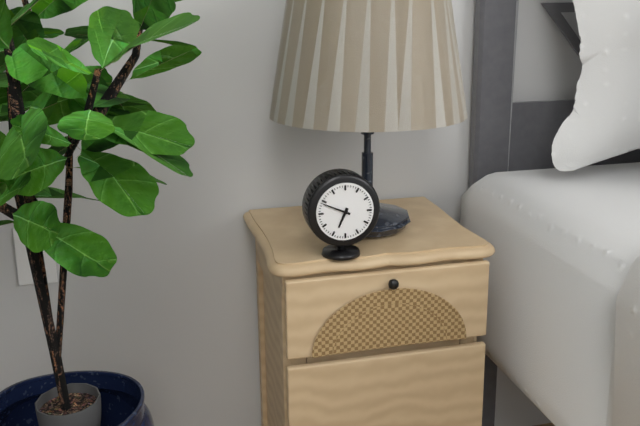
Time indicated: 6h49
